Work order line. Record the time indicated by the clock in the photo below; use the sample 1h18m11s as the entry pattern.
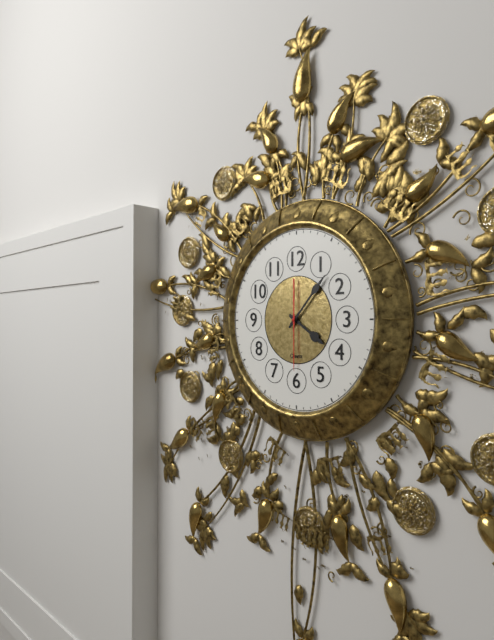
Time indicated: 4h07m30s
